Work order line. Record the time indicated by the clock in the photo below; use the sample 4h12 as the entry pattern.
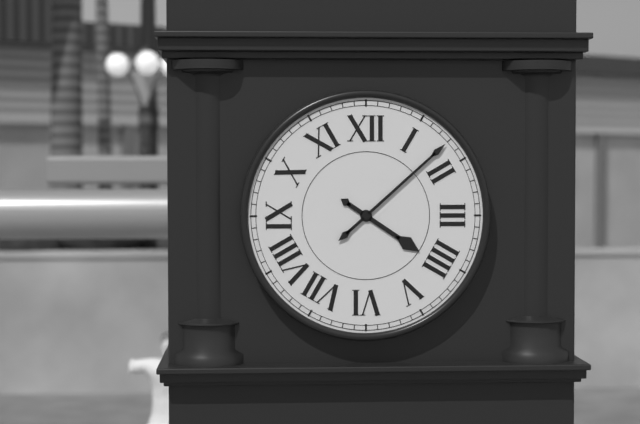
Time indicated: 4h08
